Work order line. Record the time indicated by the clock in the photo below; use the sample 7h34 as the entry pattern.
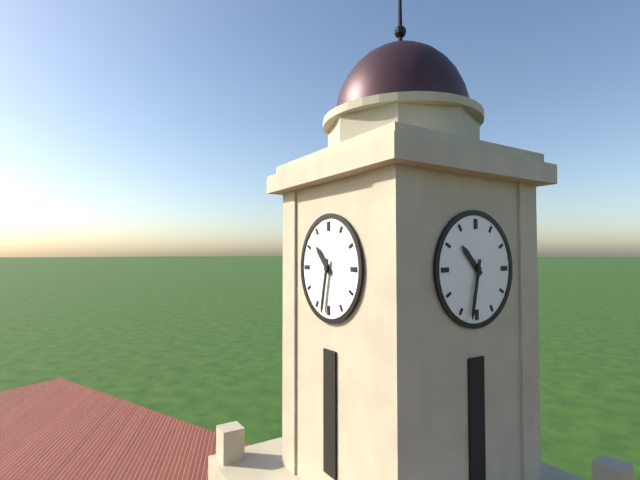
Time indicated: 10h32
